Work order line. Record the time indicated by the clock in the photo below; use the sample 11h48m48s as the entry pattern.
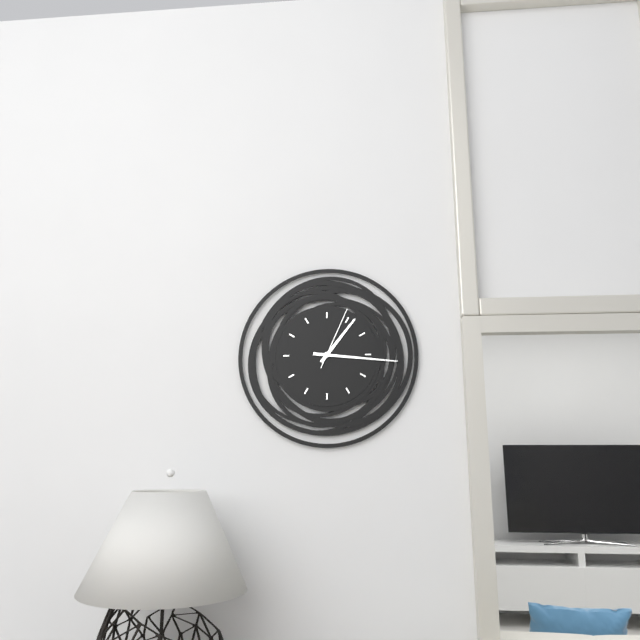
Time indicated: 1h16m04s
